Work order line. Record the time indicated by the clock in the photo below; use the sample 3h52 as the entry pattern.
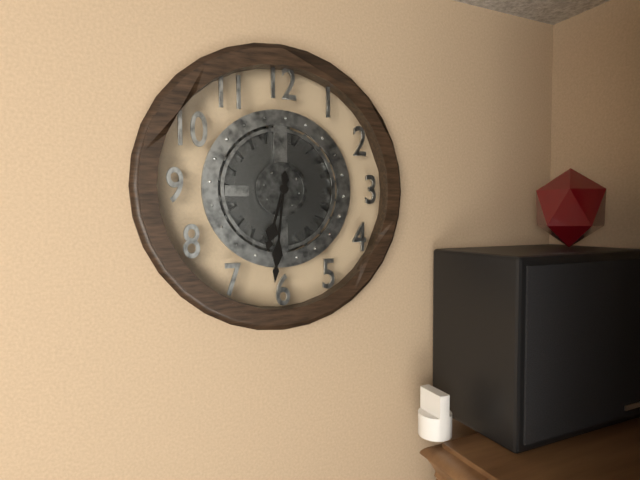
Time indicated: 6h31
